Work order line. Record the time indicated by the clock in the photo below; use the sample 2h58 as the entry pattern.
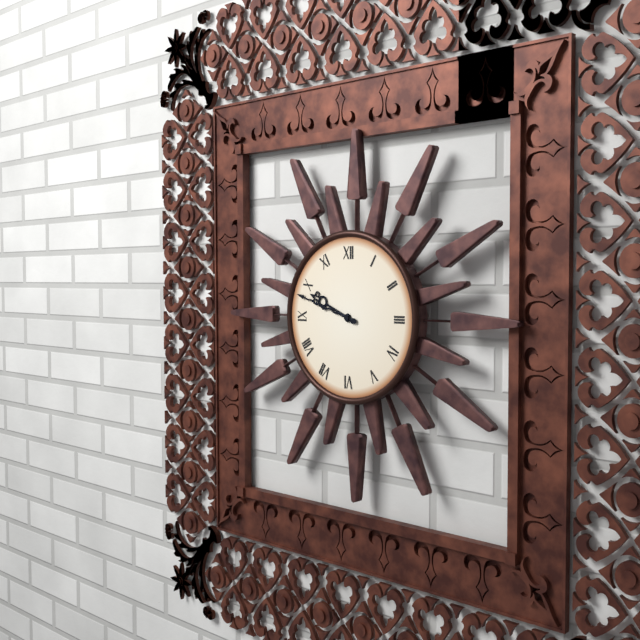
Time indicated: 9h48
